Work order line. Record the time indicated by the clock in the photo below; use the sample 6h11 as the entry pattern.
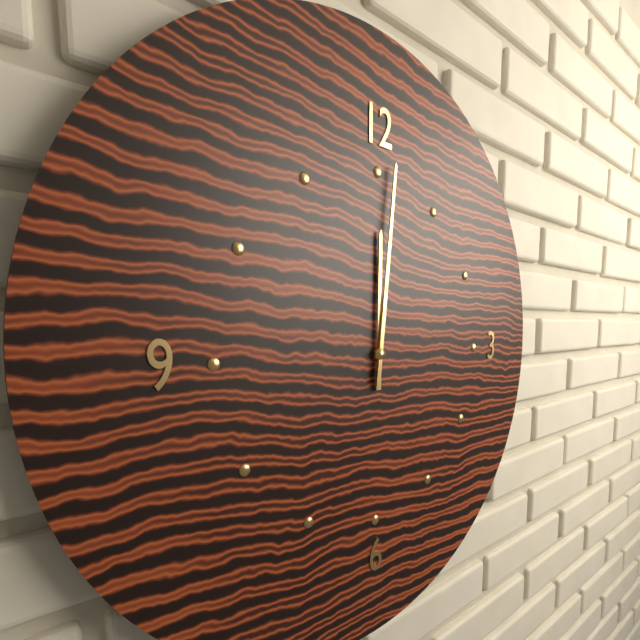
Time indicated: 12h01
